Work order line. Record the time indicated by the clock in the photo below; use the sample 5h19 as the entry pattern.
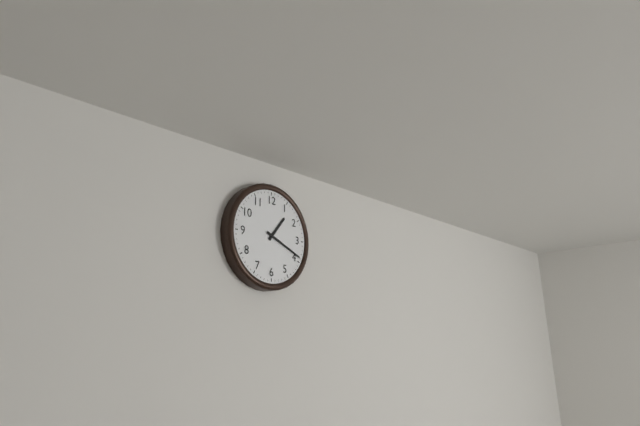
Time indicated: 1h19
